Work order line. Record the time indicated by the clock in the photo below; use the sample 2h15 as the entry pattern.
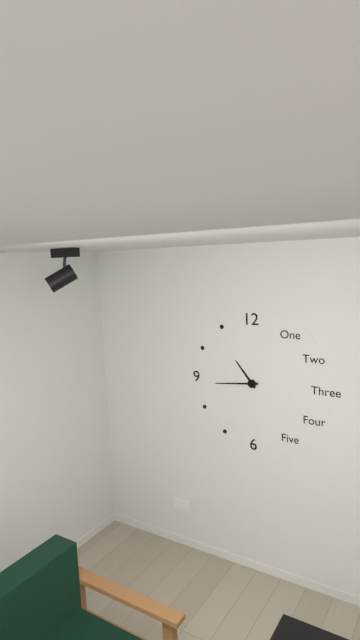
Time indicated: 10h44
